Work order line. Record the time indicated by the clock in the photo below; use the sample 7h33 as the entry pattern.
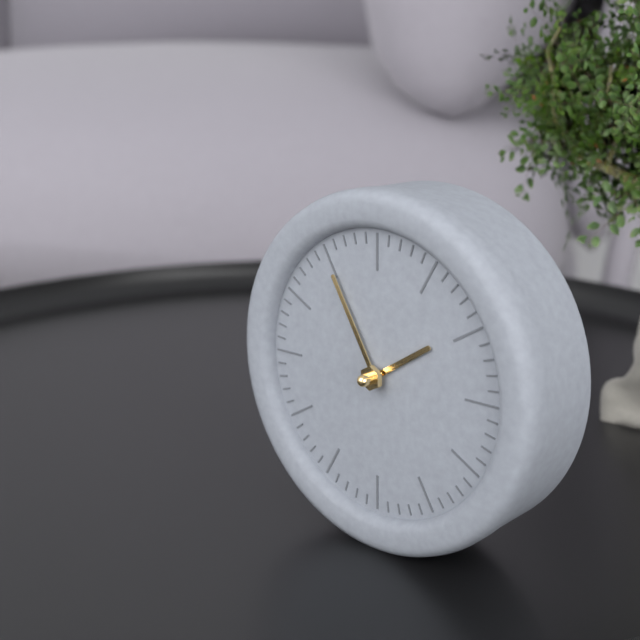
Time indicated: 1h55
